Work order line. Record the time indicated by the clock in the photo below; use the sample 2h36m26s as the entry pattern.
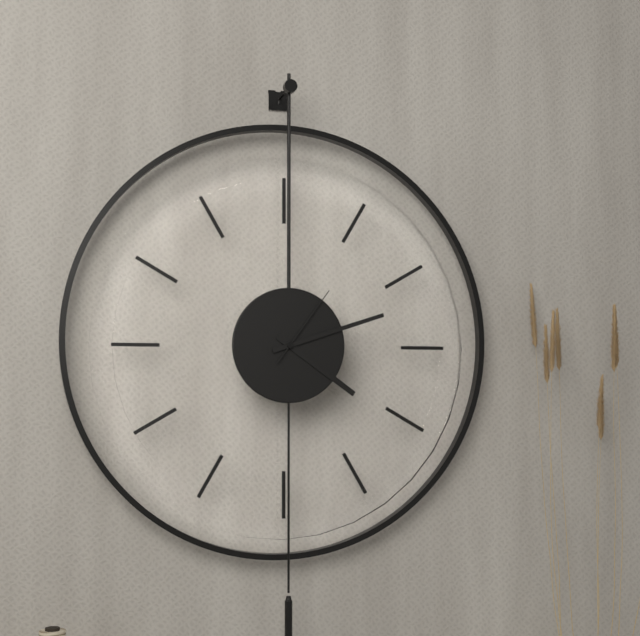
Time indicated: 4h12m06s
